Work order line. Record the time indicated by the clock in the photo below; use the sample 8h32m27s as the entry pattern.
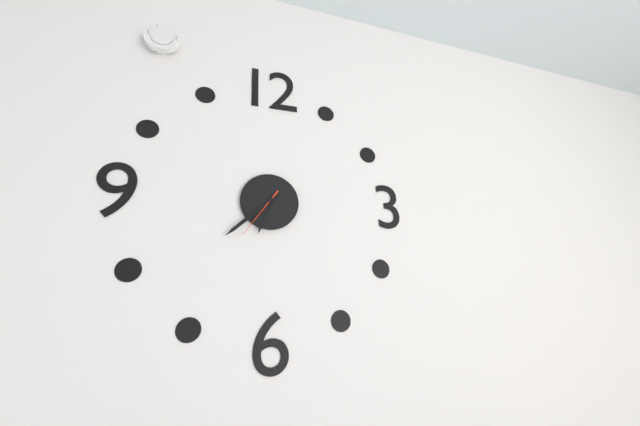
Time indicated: 6h38m36s
